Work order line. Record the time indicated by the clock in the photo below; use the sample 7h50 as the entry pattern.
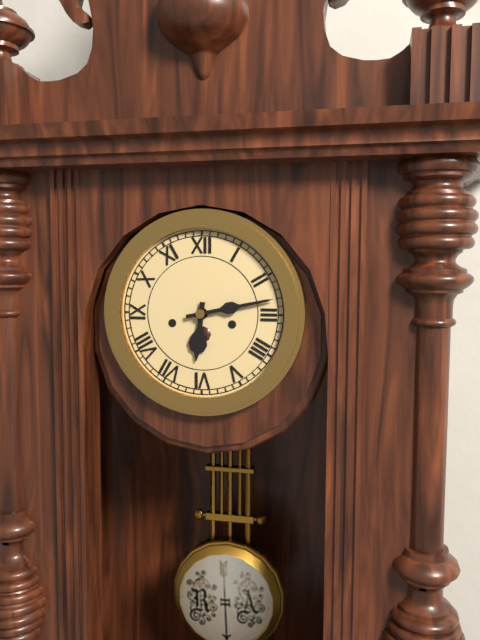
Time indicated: 6h13
